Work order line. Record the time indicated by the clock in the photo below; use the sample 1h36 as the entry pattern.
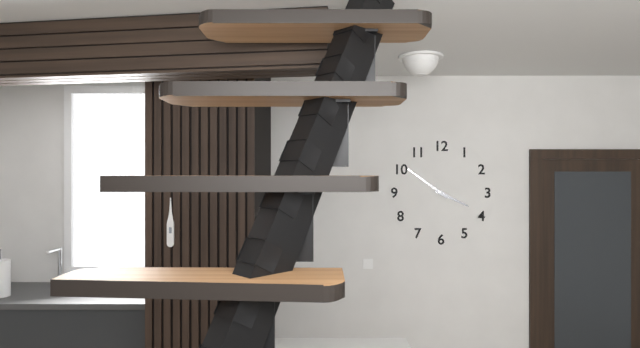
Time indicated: 3h51
